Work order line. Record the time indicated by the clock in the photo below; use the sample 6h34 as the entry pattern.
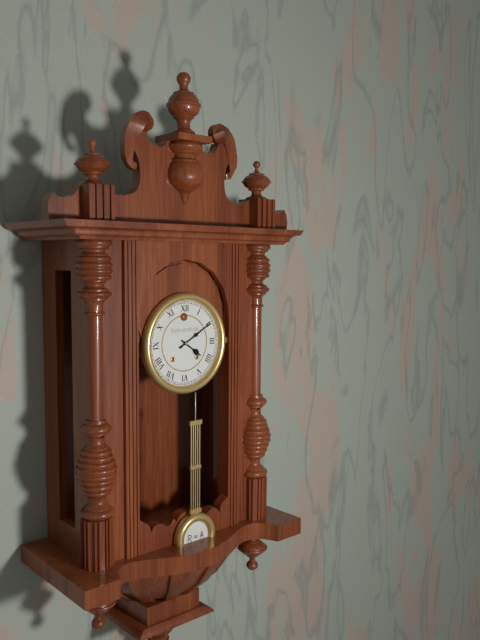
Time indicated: 4h10
